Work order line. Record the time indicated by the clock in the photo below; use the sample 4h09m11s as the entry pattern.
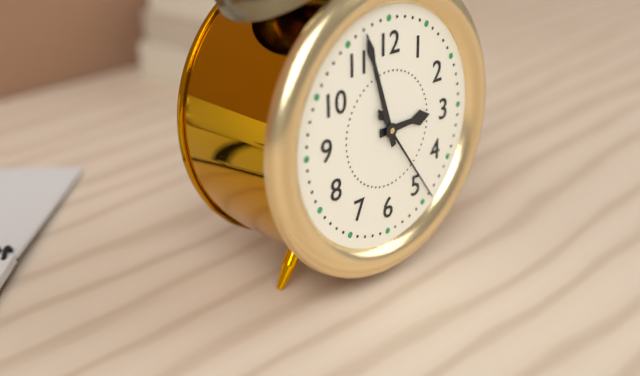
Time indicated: 2h57m24s
